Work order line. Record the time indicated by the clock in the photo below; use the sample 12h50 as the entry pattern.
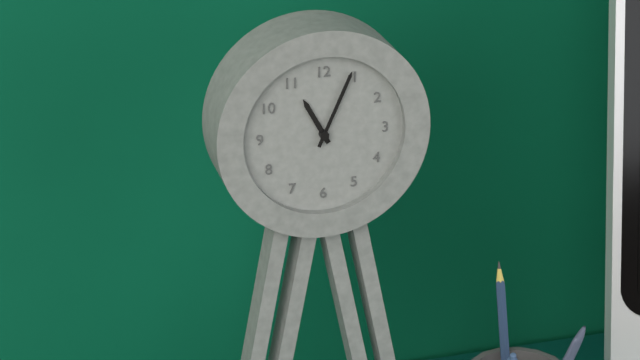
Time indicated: 11h04
